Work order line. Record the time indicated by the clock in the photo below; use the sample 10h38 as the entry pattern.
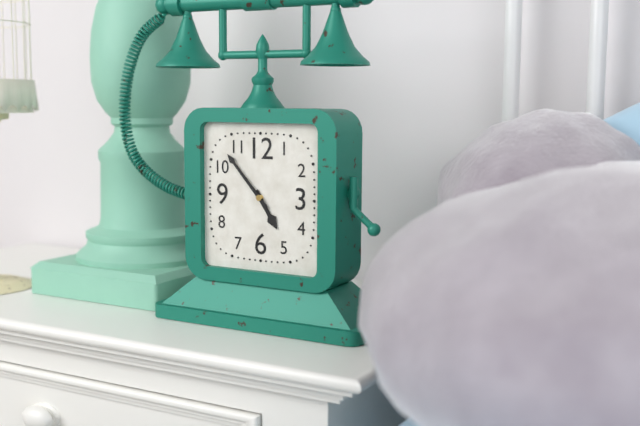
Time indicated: 4h53
